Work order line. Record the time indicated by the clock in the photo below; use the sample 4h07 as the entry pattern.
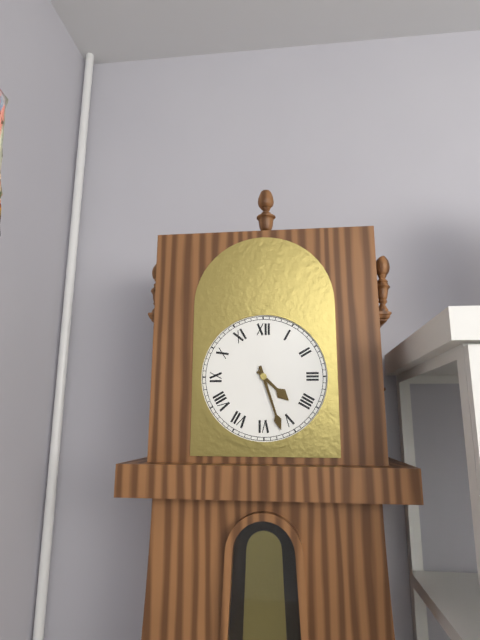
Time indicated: 4h27
